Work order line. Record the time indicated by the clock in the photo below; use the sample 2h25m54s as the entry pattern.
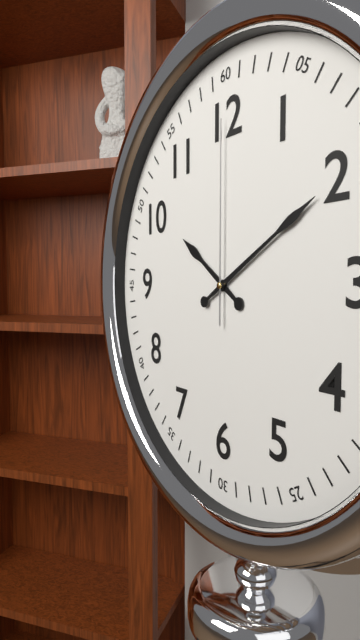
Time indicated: 10h10m00s
